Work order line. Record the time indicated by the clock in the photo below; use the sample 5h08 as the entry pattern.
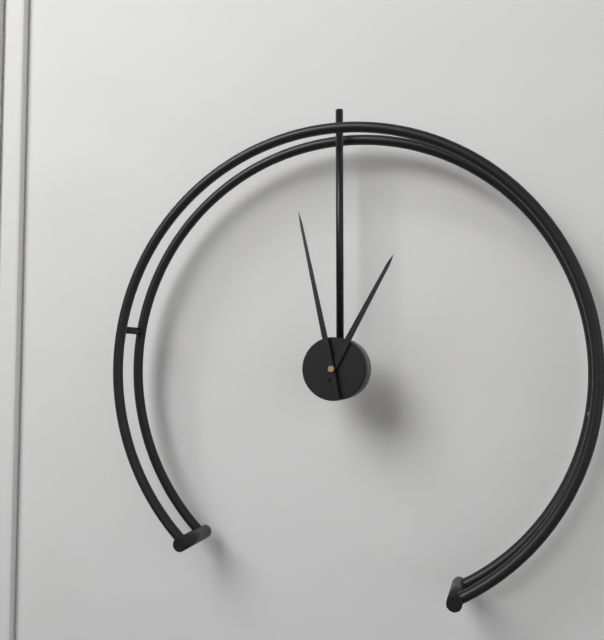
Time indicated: 12h58
